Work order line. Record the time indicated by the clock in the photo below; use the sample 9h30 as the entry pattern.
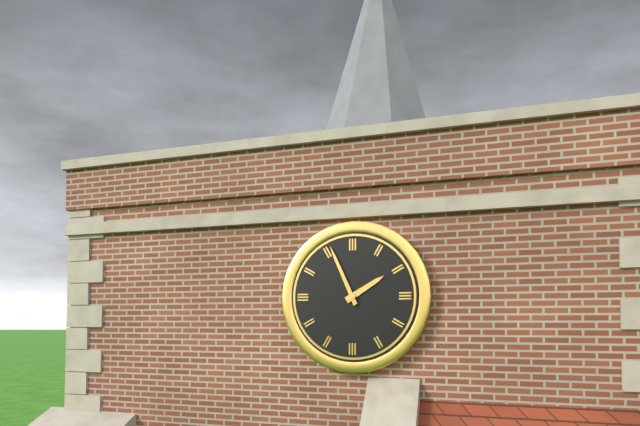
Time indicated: 1h56
